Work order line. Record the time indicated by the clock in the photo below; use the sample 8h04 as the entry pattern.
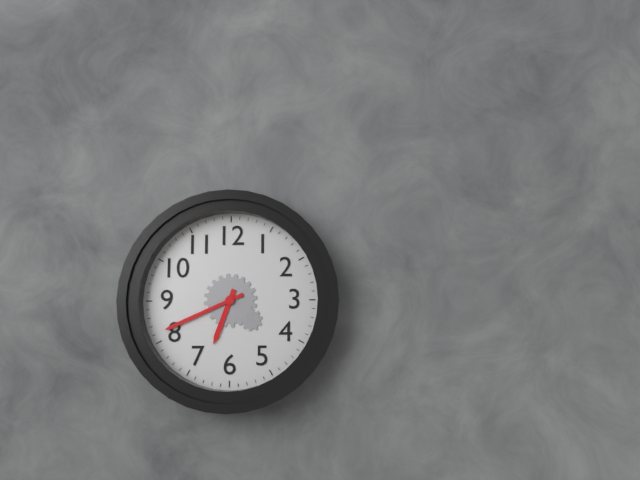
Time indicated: 6h41
